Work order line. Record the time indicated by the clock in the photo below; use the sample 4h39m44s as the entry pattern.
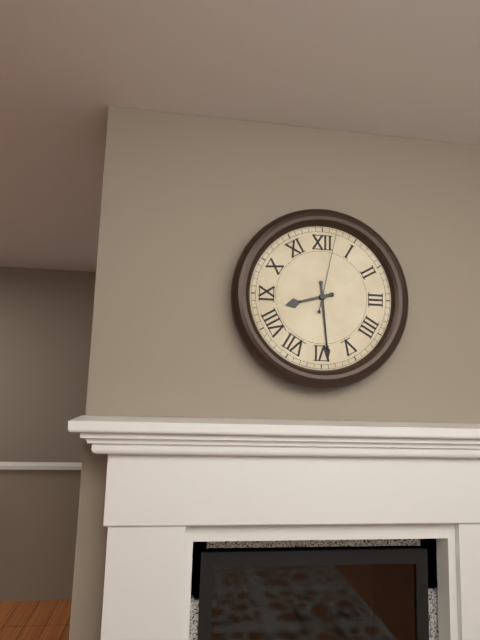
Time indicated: 8h29m02s
